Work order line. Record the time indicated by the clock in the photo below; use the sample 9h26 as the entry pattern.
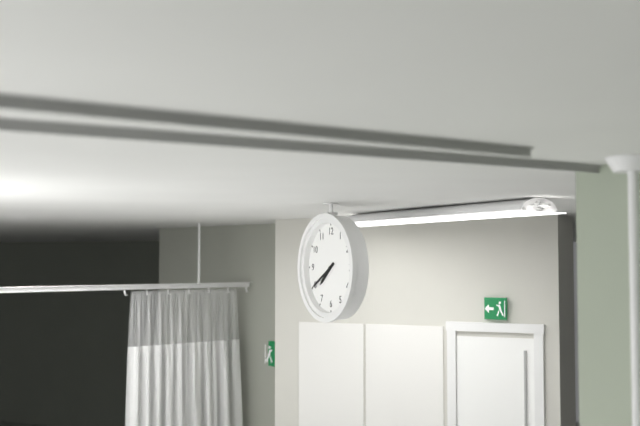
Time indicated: 7h40
